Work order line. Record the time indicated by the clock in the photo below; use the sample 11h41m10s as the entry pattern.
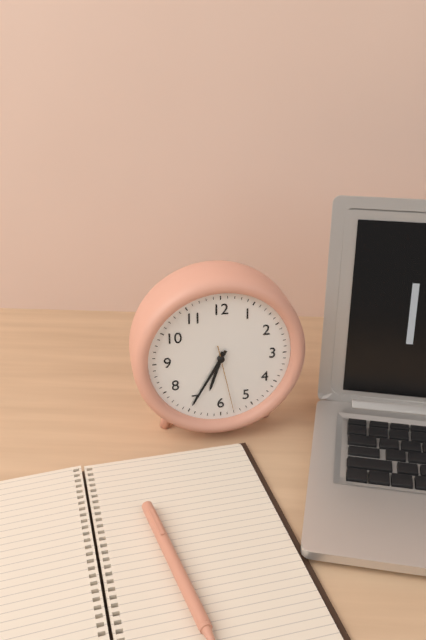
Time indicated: 6h35m28s
